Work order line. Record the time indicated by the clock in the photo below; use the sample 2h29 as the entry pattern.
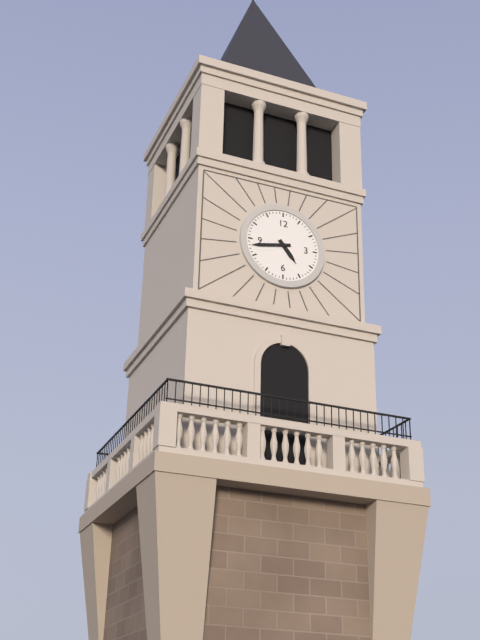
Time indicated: 4h43
